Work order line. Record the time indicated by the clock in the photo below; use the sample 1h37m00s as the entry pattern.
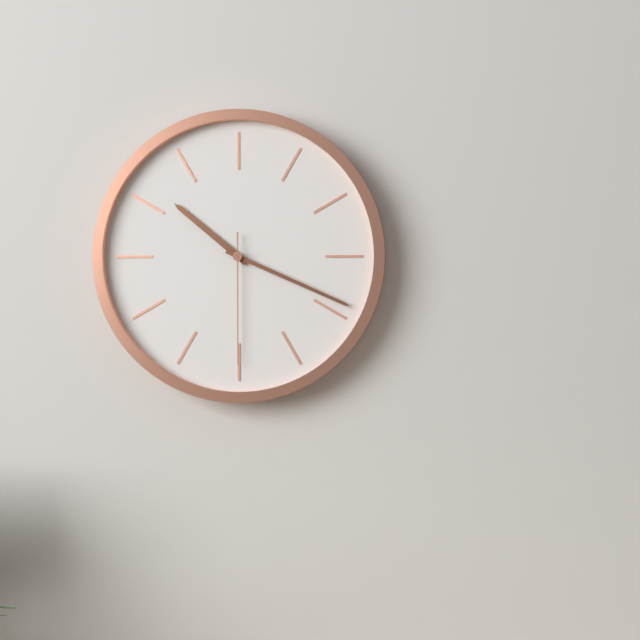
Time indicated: 10h19m30s
